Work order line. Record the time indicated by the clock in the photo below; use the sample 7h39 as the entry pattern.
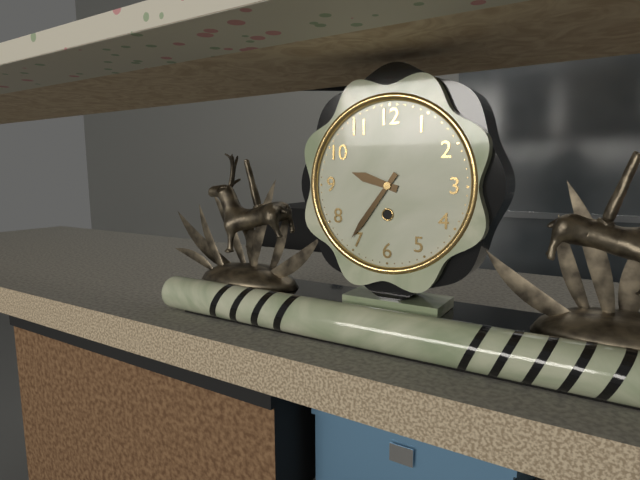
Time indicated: 9h36
